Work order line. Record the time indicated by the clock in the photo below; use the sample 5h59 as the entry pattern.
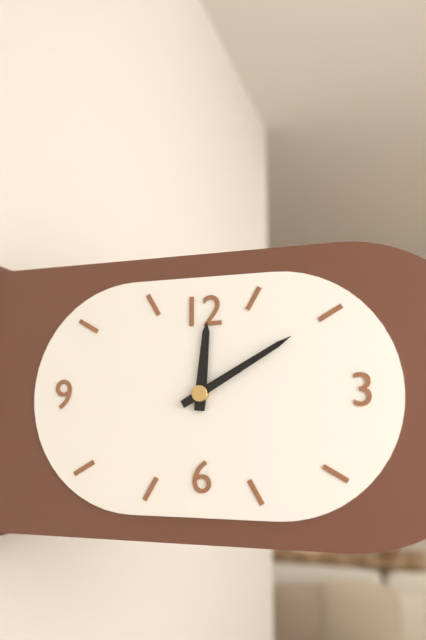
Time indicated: 12h10
